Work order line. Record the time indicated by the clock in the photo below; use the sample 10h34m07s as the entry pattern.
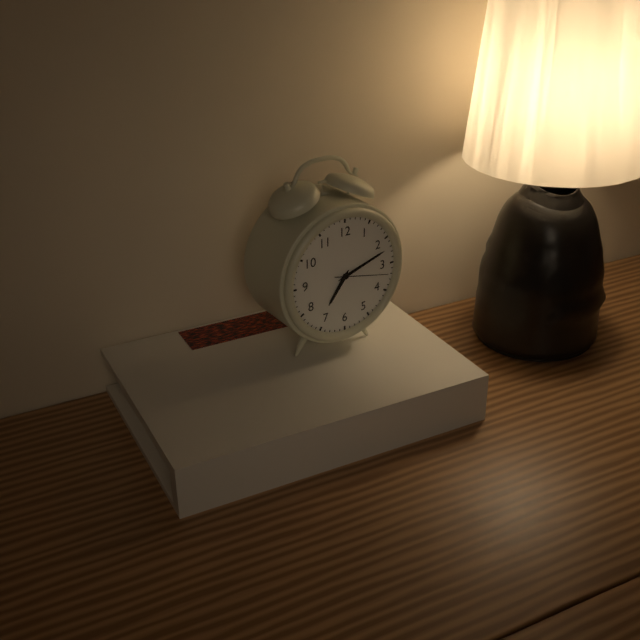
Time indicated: 7h12m17s
